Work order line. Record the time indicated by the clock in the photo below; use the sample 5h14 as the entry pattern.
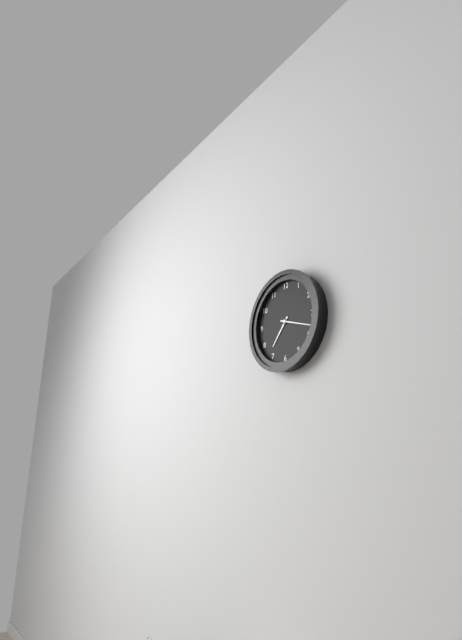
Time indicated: 7h18
